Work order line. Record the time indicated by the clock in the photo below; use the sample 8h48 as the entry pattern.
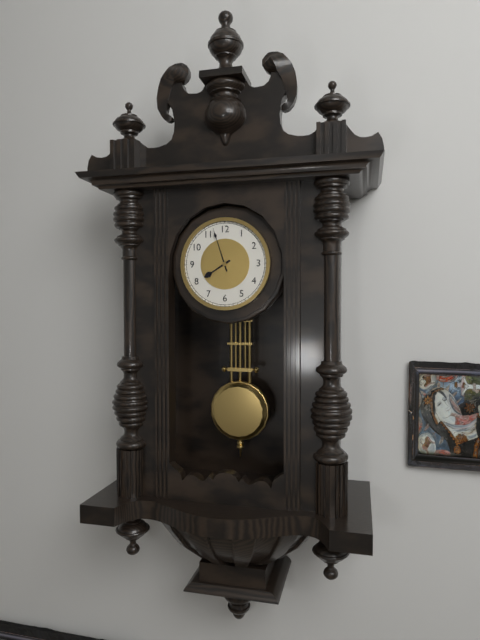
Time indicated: 7h57
